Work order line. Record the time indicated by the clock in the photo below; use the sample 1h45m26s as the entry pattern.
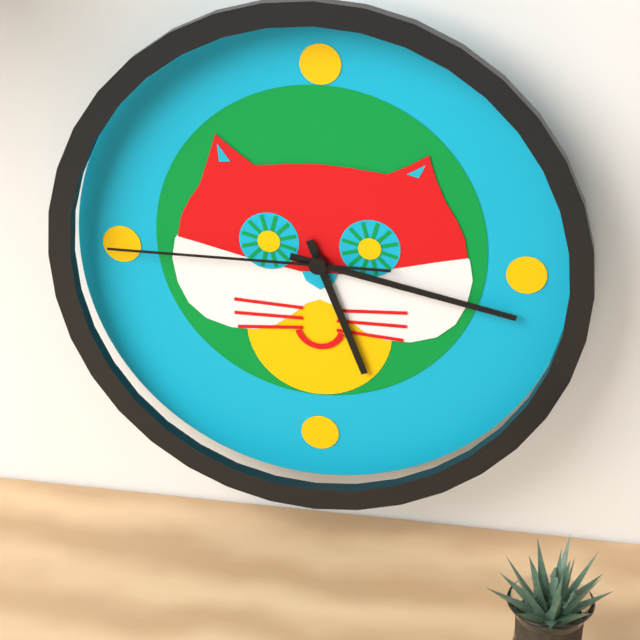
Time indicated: 5h17m45s
